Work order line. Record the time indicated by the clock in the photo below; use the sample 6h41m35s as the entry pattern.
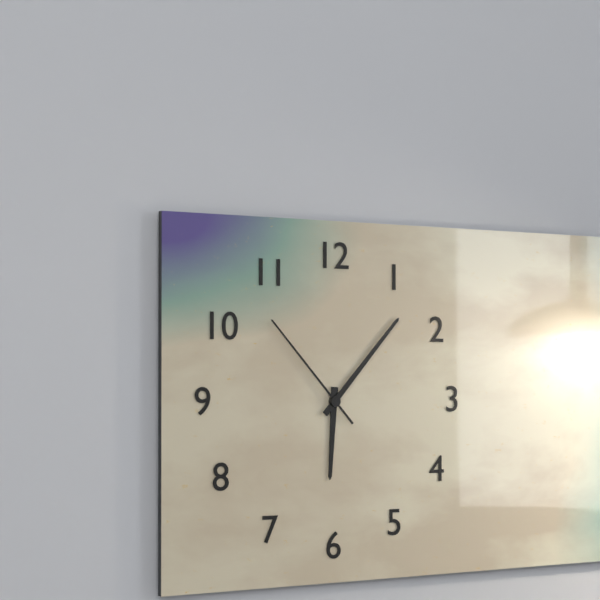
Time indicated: 6h07m53s
